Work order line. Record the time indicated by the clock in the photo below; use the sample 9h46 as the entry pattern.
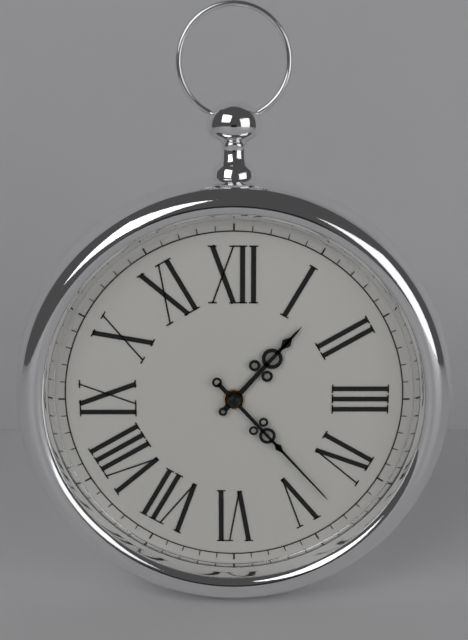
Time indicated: 1h23
